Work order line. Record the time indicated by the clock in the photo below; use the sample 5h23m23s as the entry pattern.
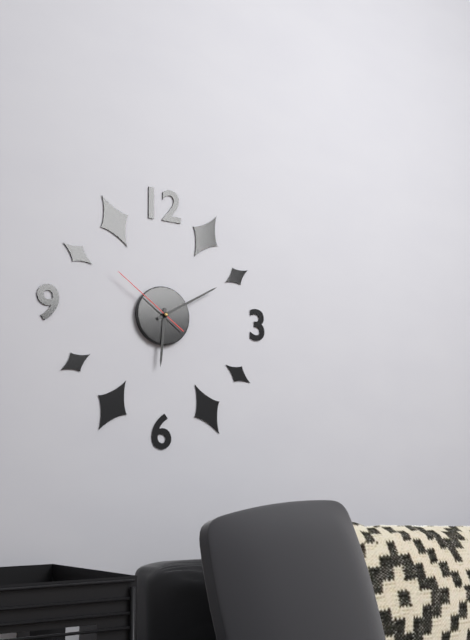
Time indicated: 6h10m51s
